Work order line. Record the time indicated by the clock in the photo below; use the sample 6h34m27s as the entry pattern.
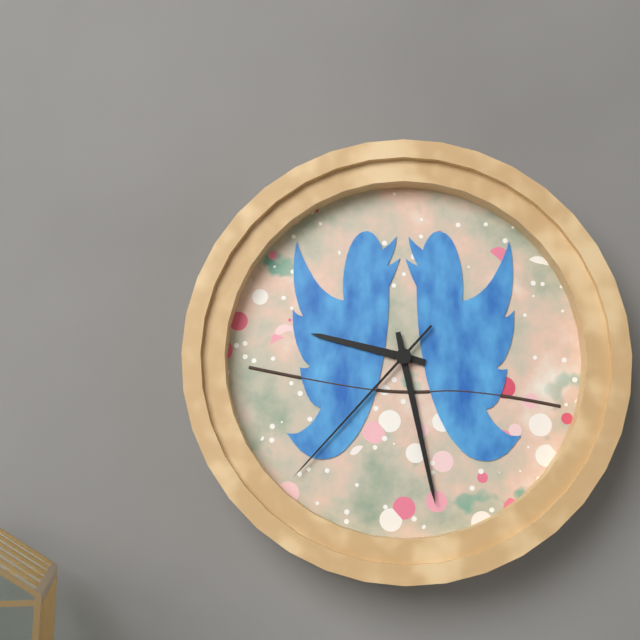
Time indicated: 9h28m37s
